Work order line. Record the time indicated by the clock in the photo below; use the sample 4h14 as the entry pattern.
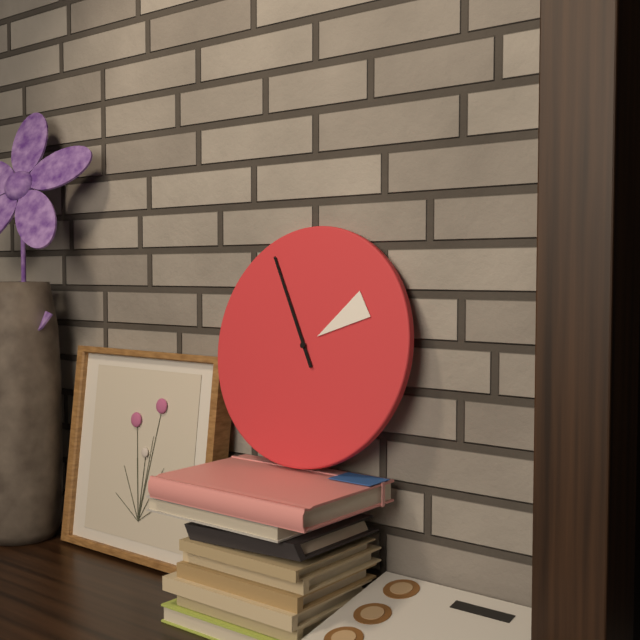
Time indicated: 1h55
